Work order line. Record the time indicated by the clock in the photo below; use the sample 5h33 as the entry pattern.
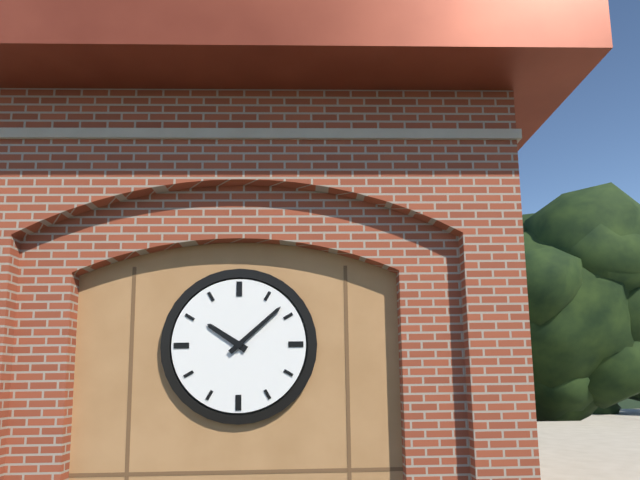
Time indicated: 10h08
